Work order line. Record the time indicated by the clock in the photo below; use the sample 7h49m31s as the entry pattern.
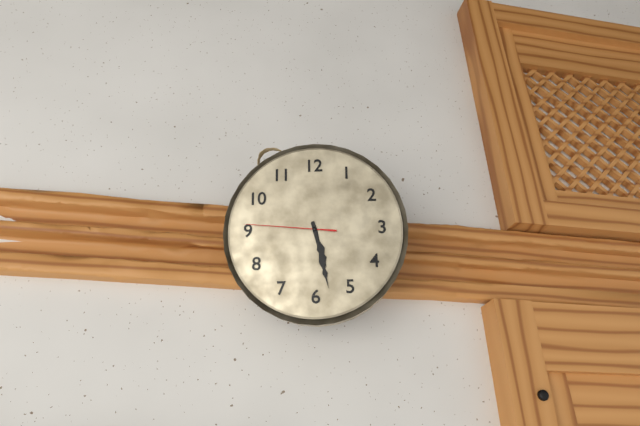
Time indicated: 5h28m46s
